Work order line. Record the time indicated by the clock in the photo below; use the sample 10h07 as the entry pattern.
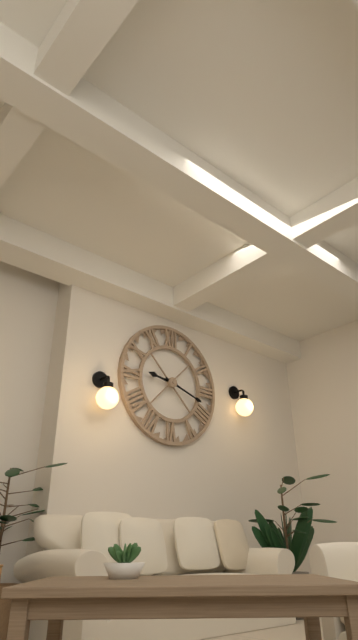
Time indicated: 9h18
